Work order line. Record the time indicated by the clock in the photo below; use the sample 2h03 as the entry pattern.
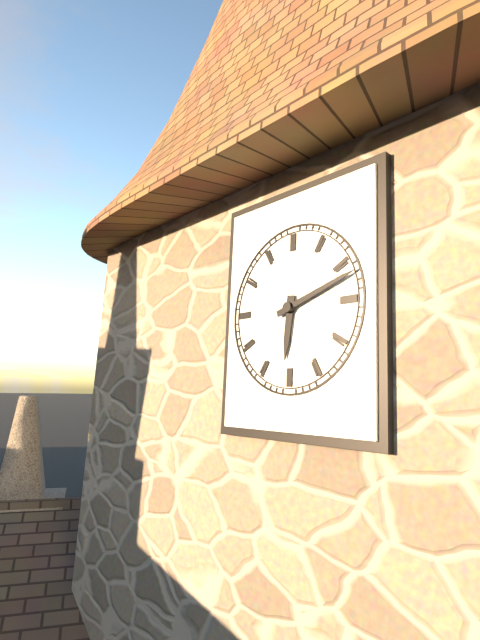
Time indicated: 6h12
